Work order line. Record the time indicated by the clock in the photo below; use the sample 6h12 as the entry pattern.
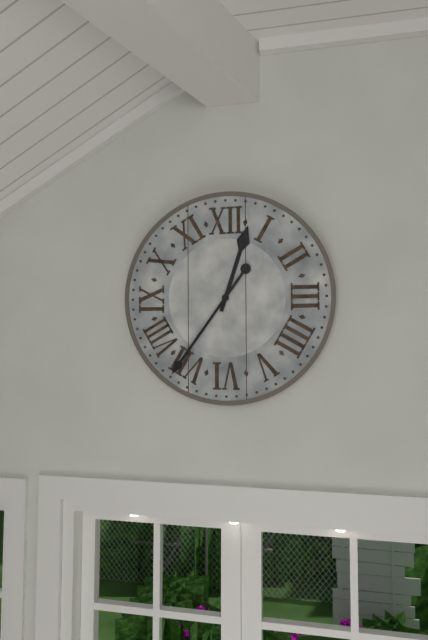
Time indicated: 12h36
